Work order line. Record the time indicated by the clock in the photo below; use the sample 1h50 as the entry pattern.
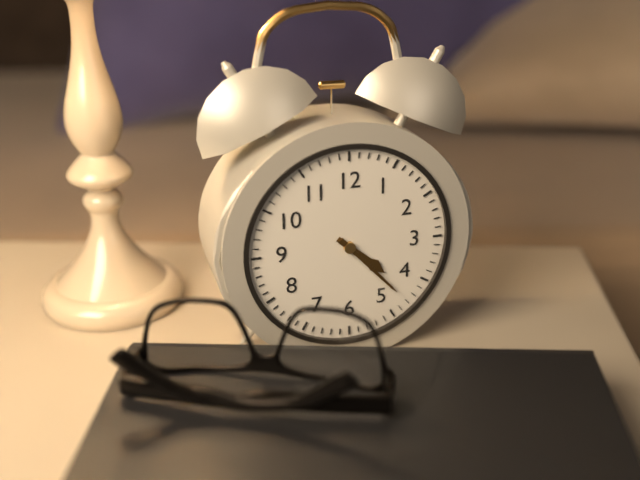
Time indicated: 4h23
